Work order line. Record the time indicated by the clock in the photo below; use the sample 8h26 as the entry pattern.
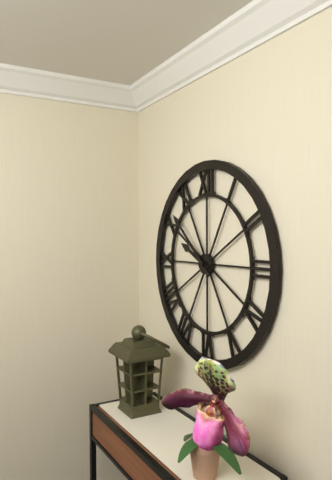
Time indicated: 9h52
